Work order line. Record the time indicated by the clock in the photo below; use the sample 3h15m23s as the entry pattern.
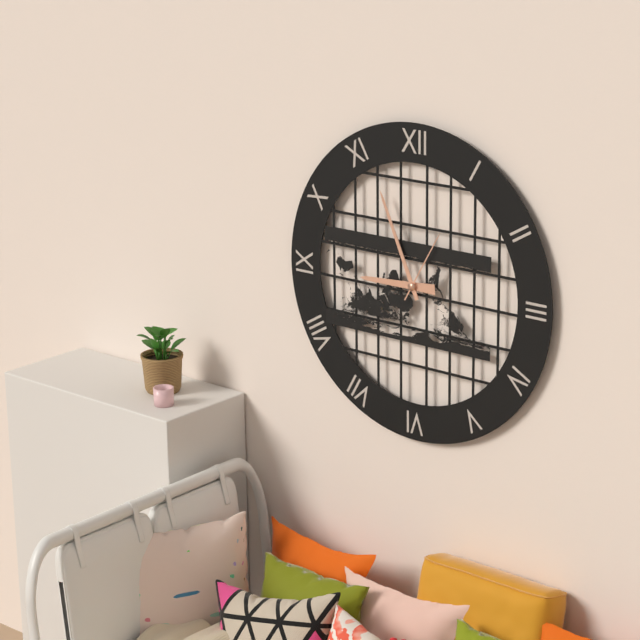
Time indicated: 8h56m05s
